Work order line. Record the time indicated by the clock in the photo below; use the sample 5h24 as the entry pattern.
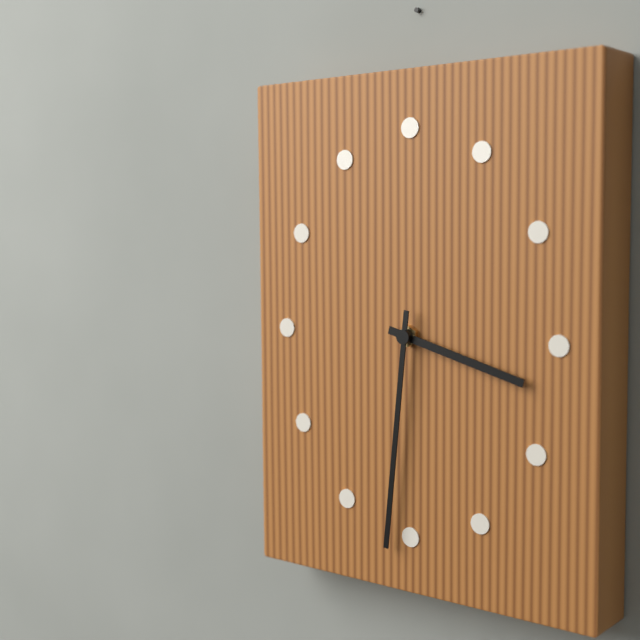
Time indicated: 3h31
